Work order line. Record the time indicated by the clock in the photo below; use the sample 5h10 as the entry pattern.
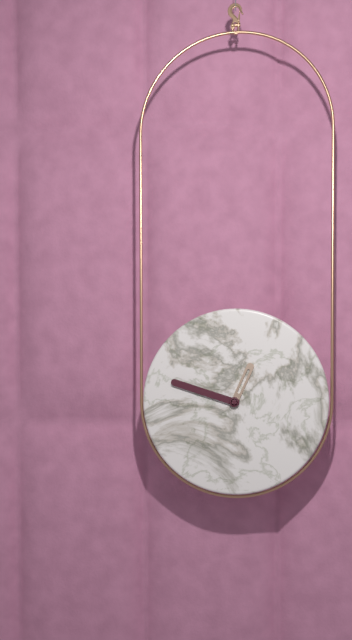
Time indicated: 12h48
